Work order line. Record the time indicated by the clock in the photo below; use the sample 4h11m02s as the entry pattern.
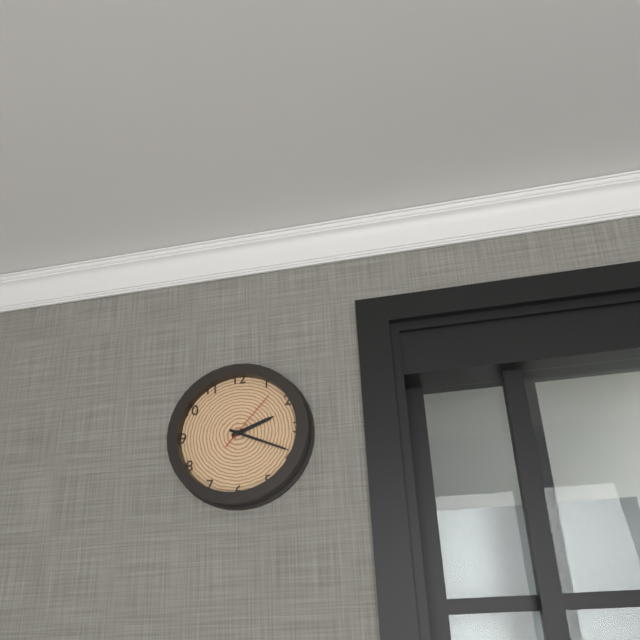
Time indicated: 2h19m07s
